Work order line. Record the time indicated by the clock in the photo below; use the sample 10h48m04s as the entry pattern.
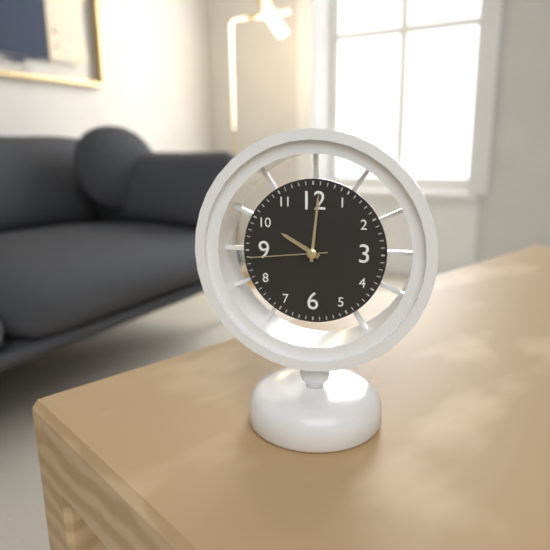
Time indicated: 10h01m44s
